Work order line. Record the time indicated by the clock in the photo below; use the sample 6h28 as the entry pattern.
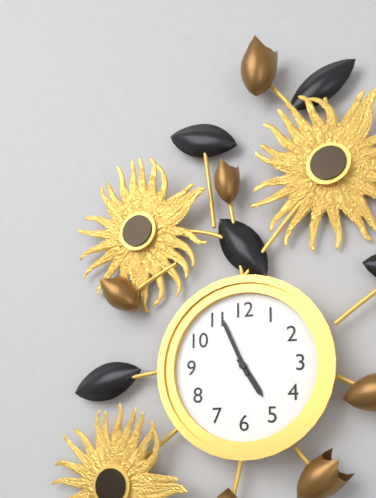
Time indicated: 4h56
